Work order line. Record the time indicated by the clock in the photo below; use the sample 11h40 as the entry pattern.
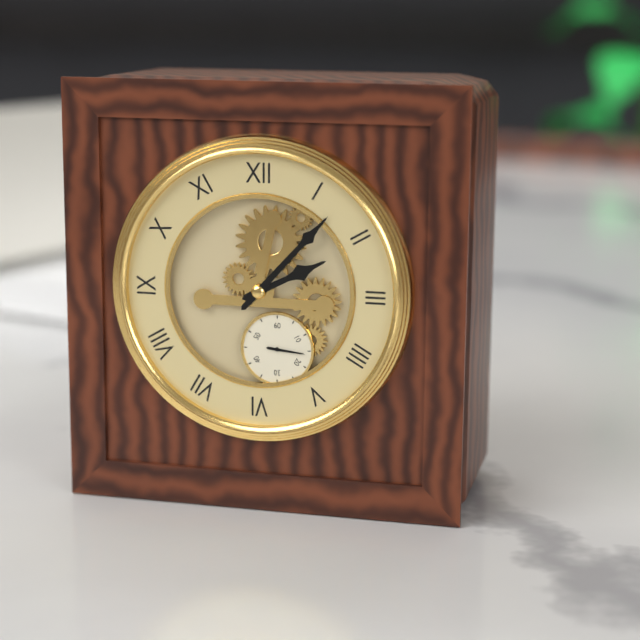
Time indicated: 2h07
